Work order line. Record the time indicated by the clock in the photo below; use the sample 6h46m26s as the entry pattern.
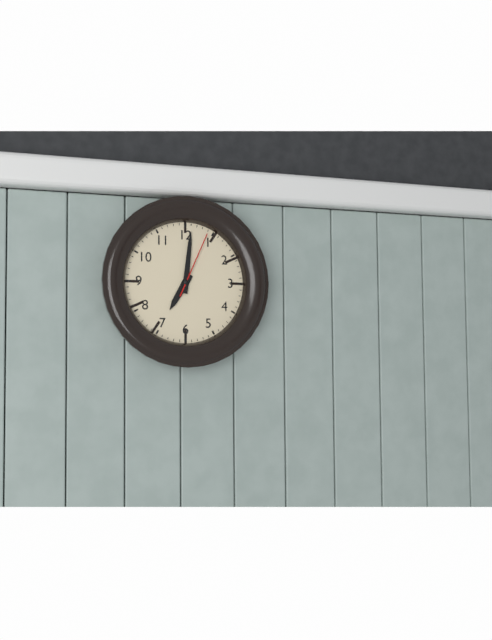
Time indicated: 7h01m04s
